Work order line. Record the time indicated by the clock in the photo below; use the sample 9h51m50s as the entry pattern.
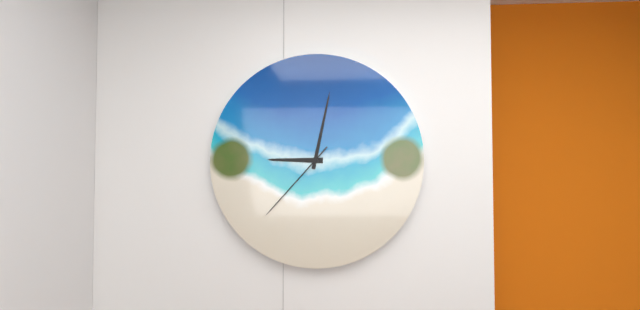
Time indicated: 9h02m37s
